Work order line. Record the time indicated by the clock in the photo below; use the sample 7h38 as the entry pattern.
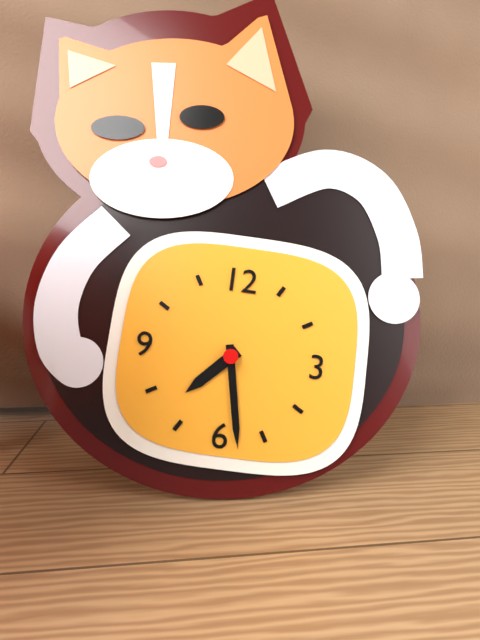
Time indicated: 7h28
